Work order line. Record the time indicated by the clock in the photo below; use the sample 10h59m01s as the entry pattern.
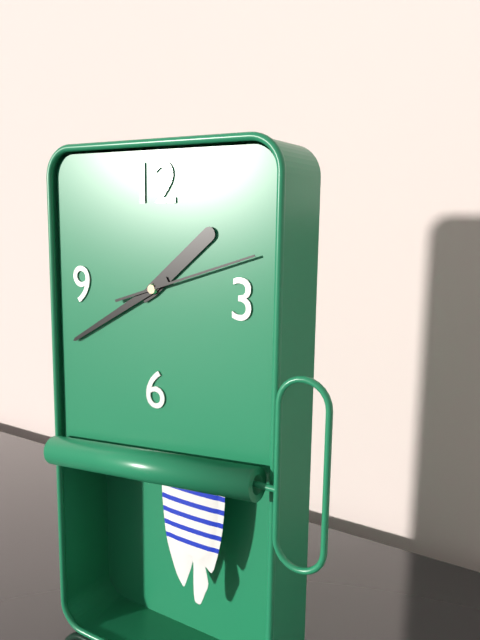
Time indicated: 1h40m12s
